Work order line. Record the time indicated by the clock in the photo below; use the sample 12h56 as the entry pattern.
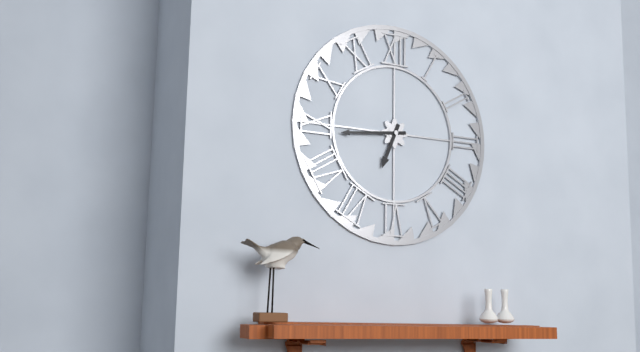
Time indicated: 6h44
